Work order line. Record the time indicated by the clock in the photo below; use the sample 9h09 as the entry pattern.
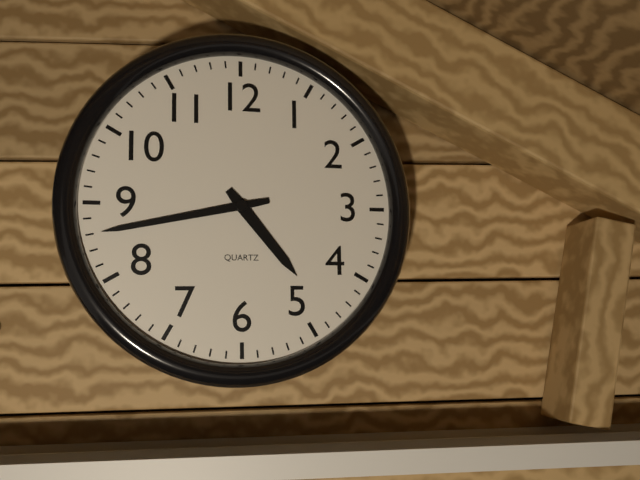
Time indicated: 4h43
